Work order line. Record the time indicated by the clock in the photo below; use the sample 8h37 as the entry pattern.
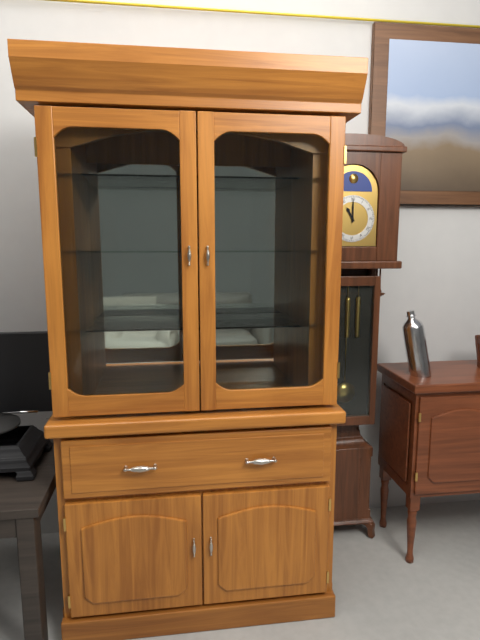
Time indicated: 11h00
